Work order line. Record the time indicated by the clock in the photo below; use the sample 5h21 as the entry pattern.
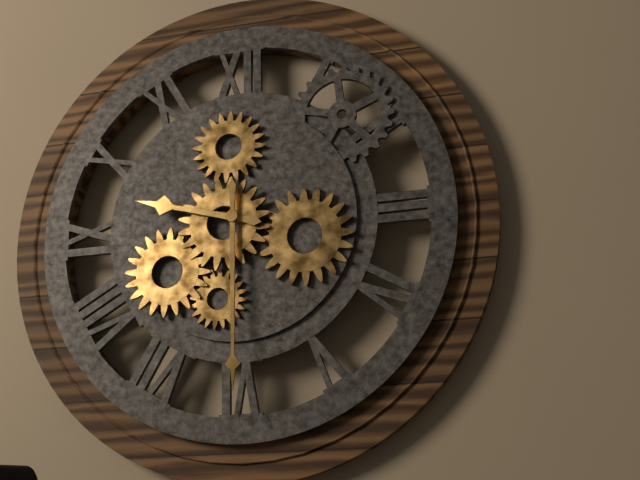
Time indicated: 9h30
